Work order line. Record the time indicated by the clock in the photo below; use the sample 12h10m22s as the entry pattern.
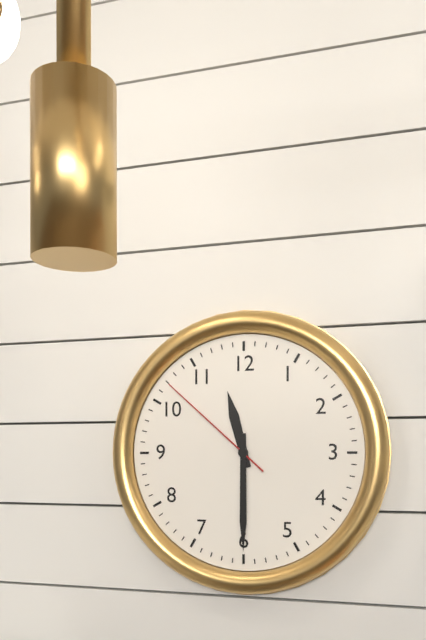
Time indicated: 11h30m52s
